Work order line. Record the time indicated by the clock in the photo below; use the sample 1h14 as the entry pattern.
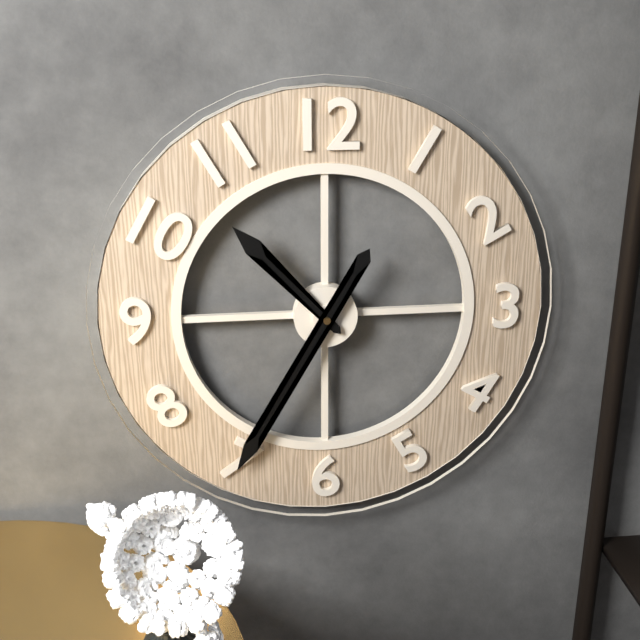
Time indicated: 10h35
